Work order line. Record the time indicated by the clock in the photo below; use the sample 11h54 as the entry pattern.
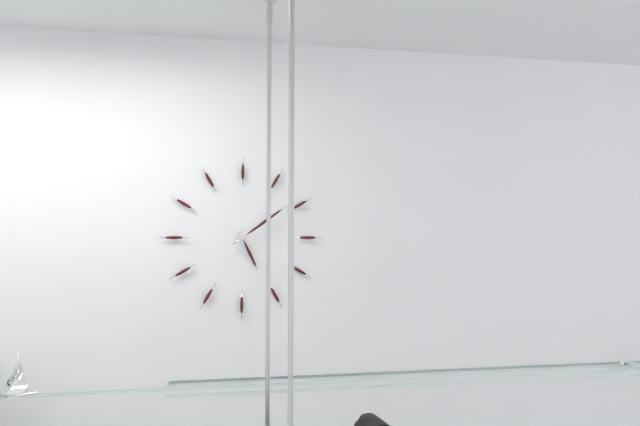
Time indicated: 5h09
